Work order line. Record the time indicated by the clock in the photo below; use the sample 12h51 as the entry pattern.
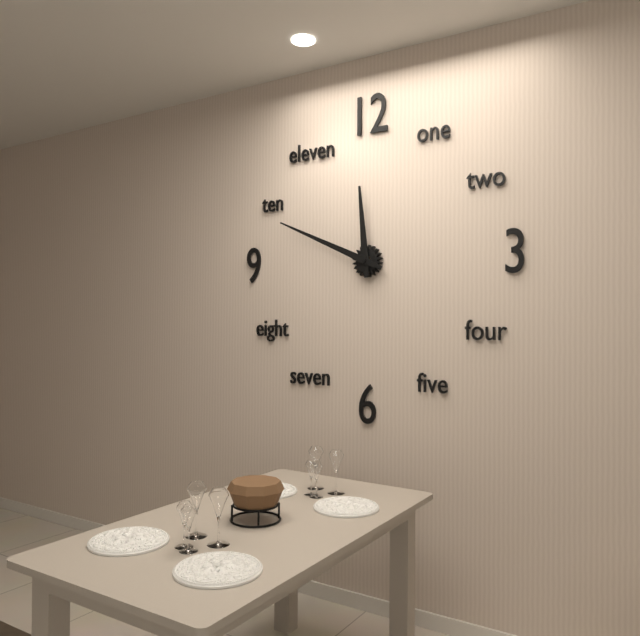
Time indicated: 11h49
